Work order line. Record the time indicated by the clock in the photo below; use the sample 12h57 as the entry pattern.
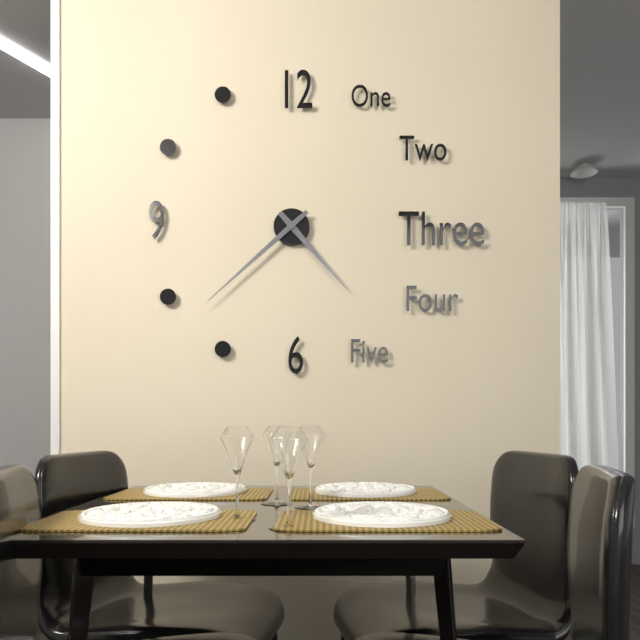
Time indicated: 4h38
